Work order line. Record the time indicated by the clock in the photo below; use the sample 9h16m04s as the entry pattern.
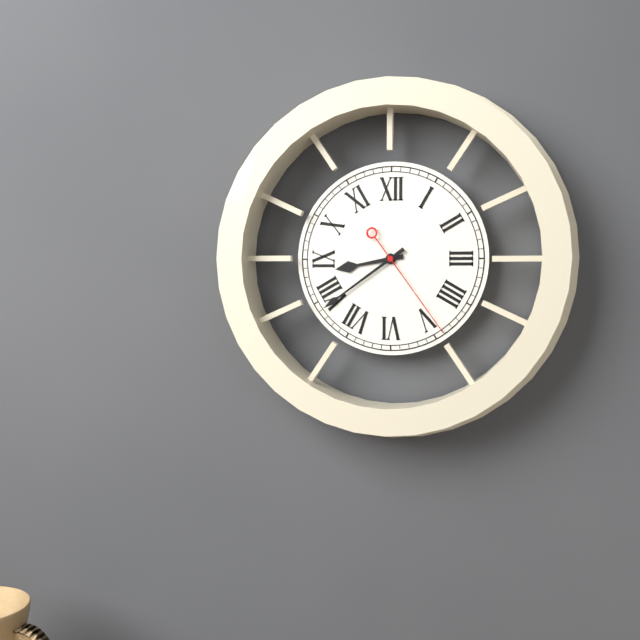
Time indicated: 8h39m24s
